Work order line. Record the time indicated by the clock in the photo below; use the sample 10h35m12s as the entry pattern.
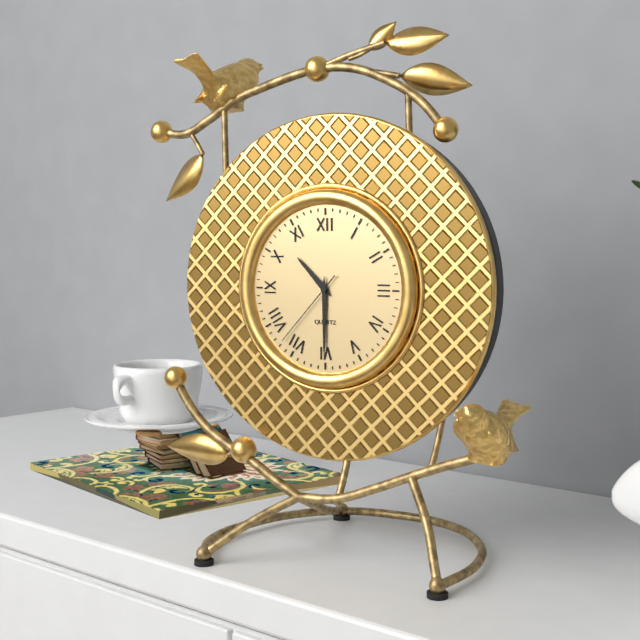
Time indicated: 10h30m37s
